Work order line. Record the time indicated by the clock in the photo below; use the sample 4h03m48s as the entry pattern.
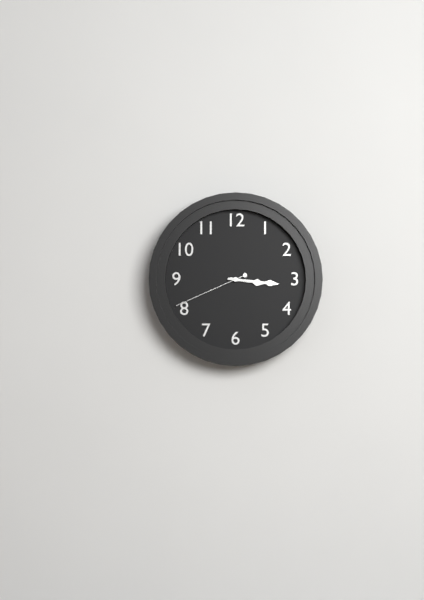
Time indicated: 3h16m41s
